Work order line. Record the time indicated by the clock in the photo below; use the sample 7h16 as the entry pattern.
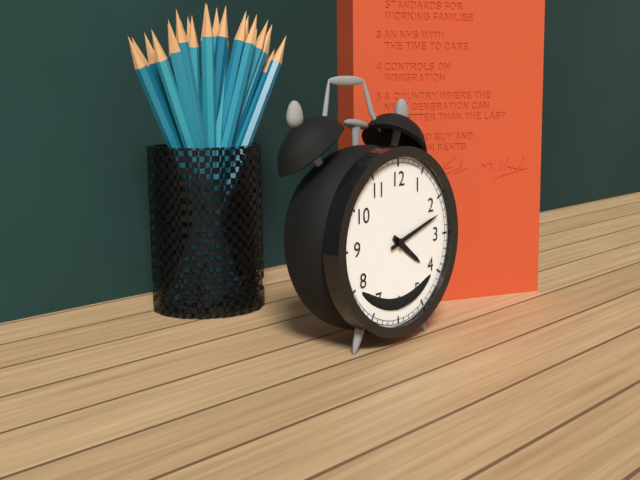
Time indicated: 4h12
